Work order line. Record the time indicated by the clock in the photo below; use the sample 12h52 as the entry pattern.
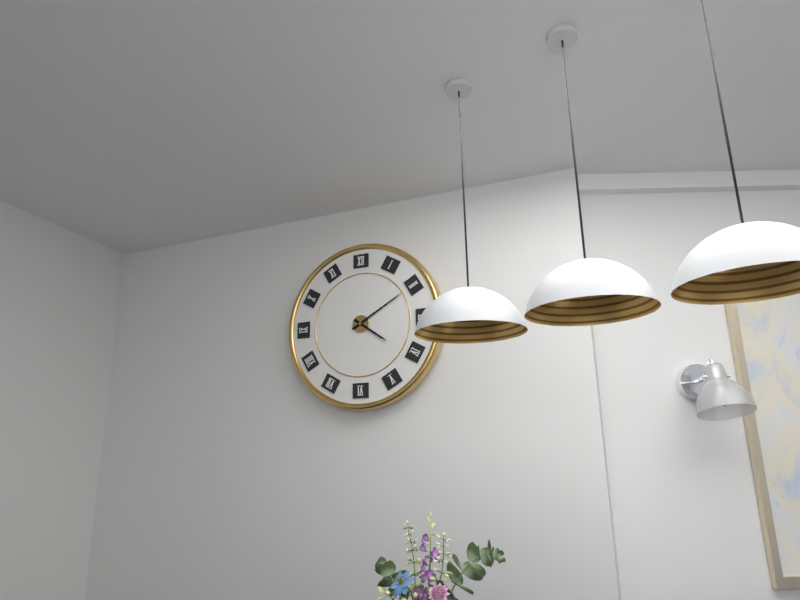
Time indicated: 4h10
